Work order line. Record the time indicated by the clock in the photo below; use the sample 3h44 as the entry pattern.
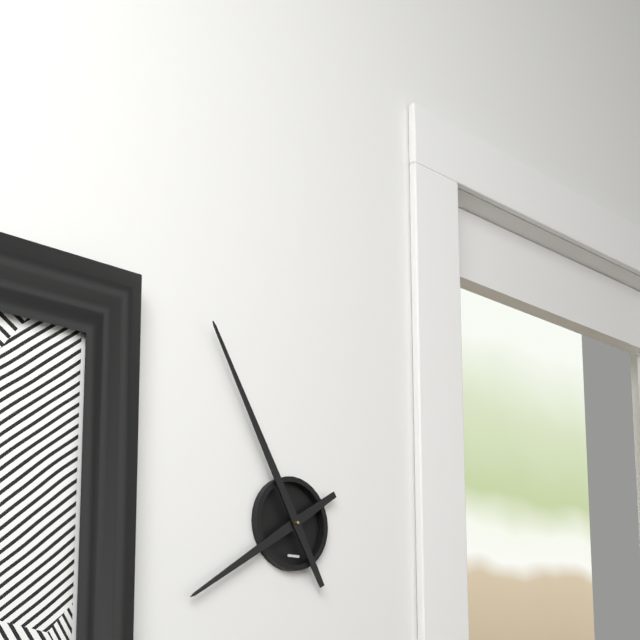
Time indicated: 7h55
